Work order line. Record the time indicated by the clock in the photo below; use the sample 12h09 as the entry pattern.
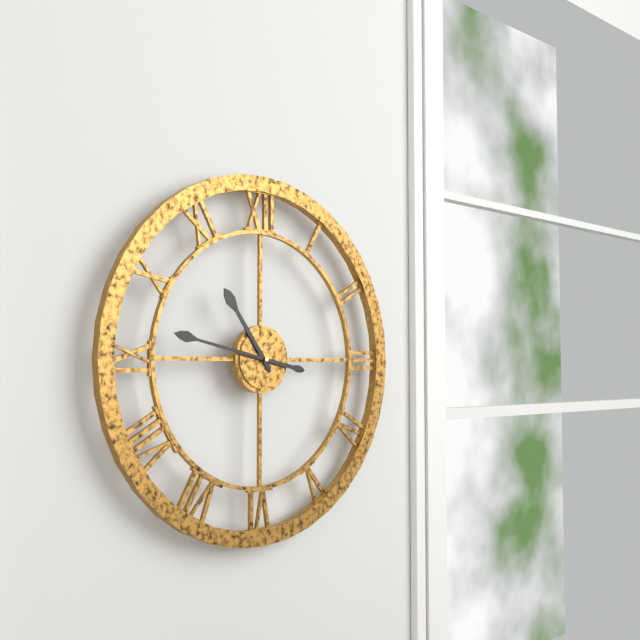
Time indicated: 10h47
